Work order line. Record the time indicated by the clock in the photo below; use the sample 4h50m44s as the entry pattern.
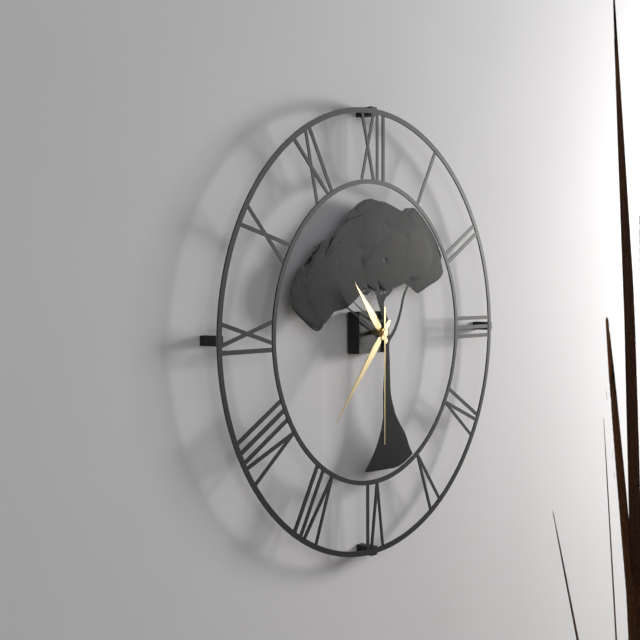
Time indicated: 10h37m30s
